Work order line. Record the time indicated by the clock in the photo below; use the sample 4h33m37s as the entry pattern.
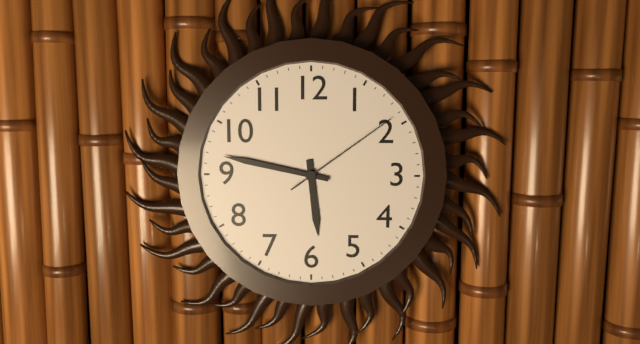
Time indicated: 5h47m09s
